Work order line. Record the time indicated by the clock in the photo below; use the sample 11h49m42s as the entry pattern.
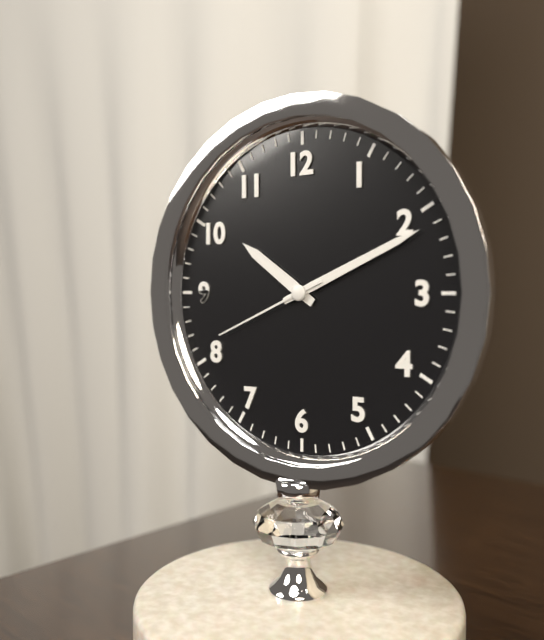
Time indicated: 10h11m41s
